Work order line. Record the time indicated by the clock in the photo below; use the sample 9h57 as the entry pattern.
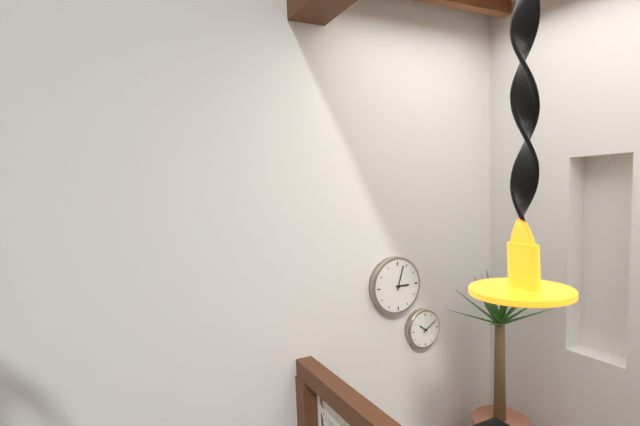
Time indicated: 3h03
